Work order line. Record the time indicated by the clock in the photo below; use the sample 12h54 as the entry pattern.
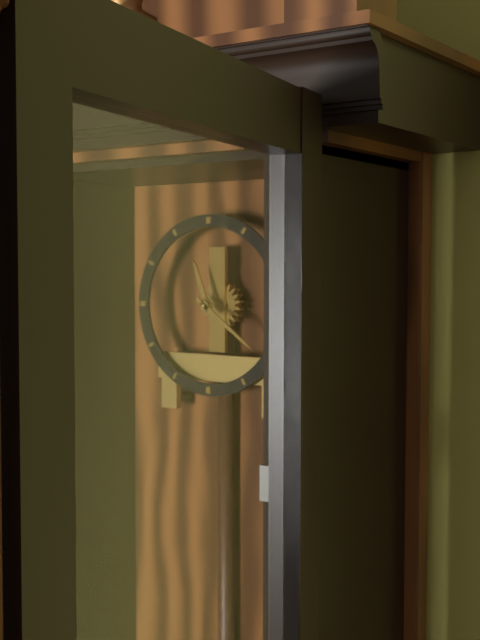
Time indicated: 11h21
